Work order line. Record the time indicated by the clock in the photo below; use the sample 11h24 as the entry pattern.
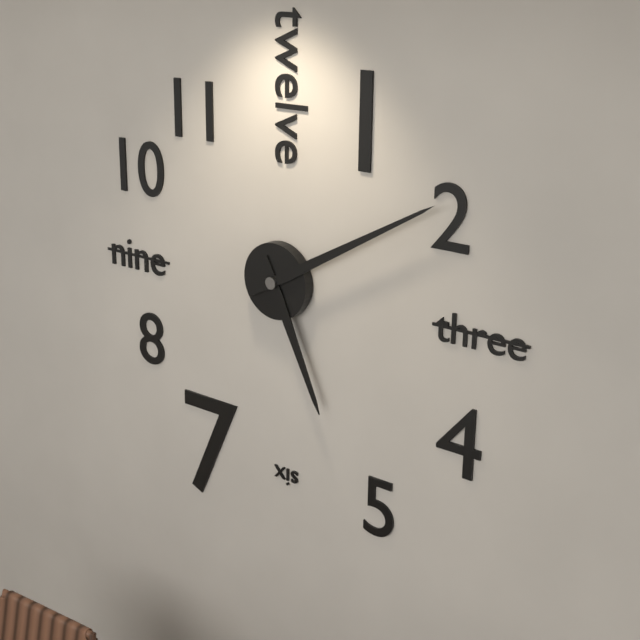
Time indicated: 5h10
